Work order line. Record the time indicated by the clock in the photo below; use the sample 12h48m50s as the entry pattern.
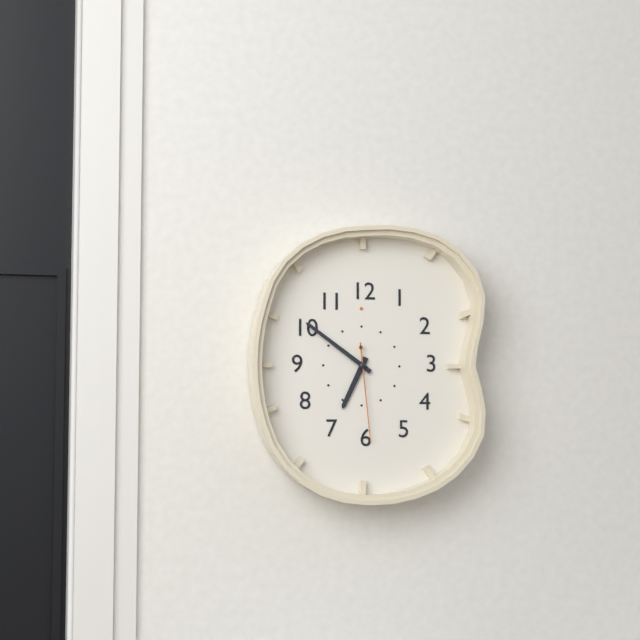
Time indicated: 6h51m29s
